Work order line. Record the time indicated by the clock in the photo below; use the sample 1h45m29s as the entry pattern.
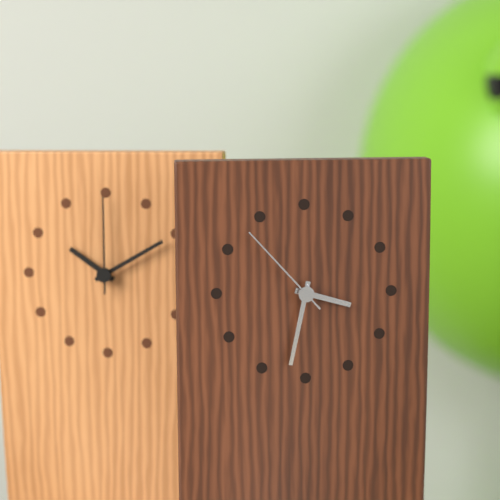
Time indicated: 3h32m53s
